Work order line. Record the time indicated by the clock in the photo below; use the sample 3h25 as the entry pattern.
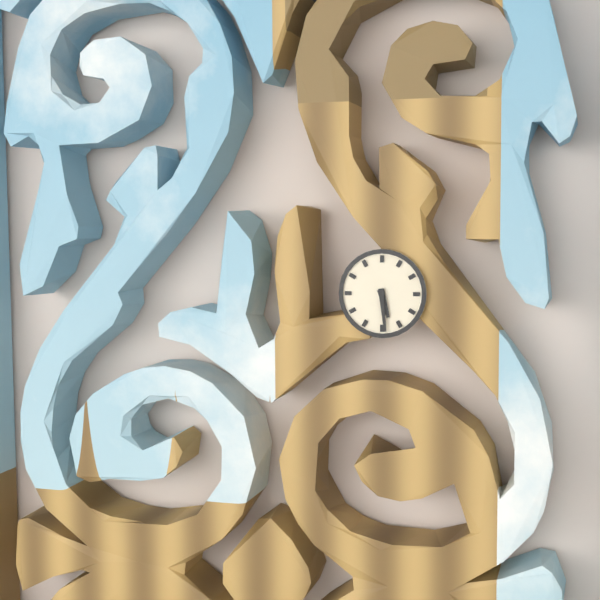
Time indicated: 5h29
